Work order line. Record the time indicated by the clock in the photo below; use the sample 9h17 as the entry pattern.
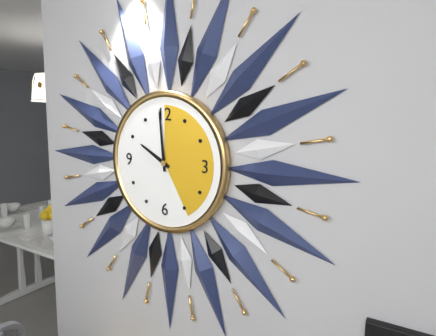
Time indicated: 9h59
